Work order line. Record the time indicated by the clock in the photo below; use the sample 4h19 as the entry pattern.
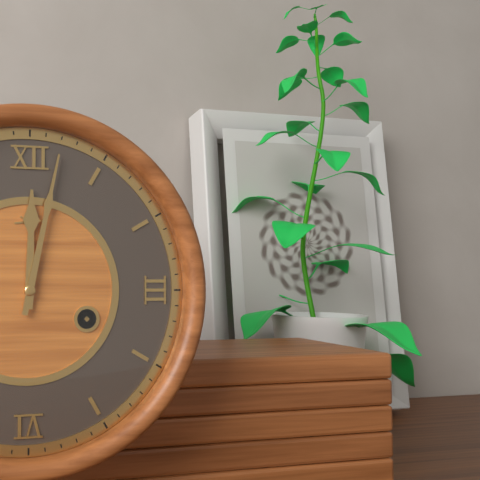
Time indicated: 12h02
